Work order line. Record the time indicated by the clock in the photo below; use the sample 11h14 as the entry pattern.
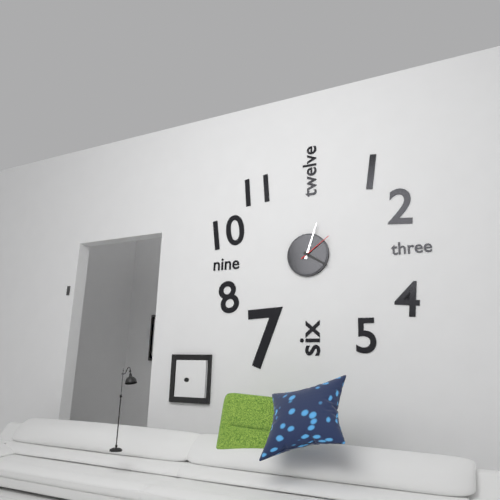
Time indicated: 4h03
